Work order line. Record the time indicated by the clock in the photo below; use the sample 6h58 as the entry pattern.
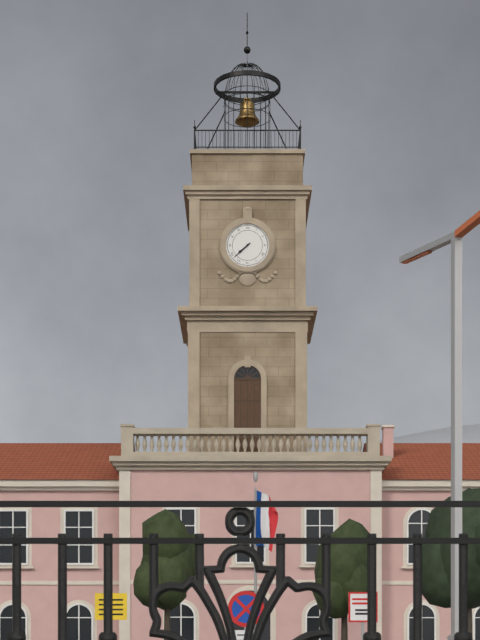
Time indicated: 7h38
